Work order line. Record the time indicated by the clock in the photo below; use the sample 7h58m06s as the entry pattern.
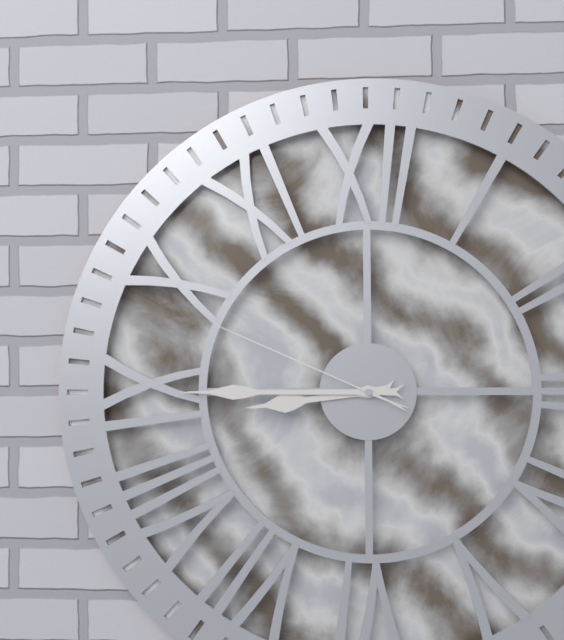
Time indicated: 8h45m49s
